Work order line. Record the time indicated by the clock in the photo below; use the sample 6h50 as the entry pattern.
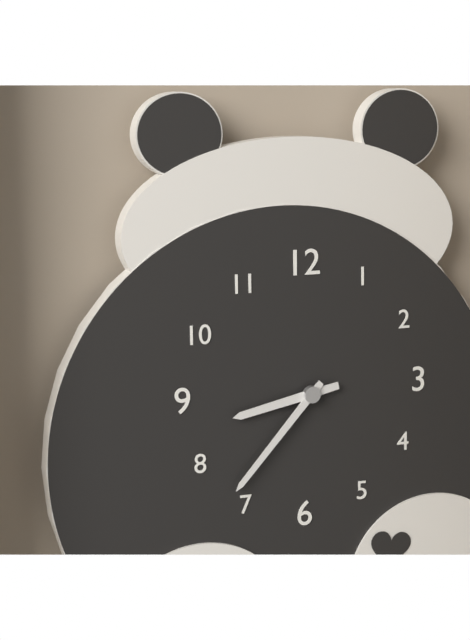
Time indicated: 8h37
